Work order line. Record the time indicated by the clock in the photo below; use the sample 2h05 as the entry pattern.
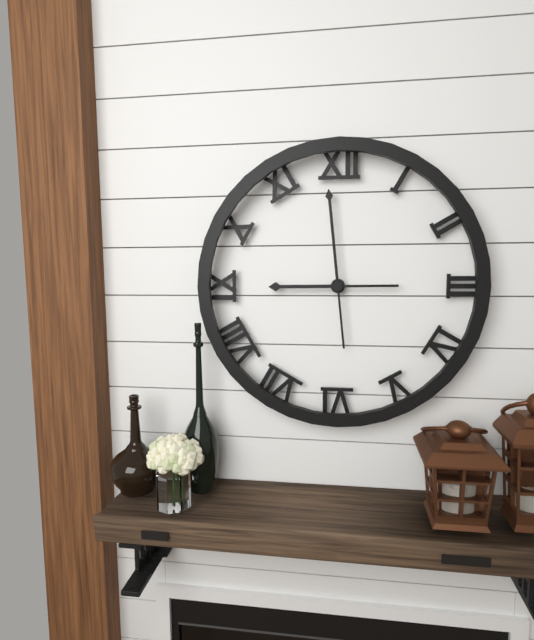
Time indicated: 8h59
